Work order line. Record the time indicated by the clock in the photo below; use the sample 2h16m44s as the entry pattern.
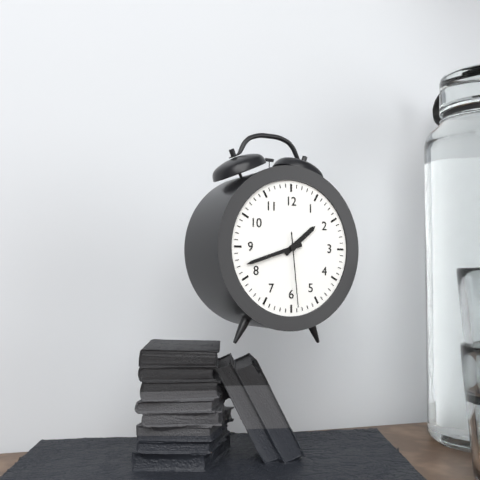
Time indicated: 1h42m29s
